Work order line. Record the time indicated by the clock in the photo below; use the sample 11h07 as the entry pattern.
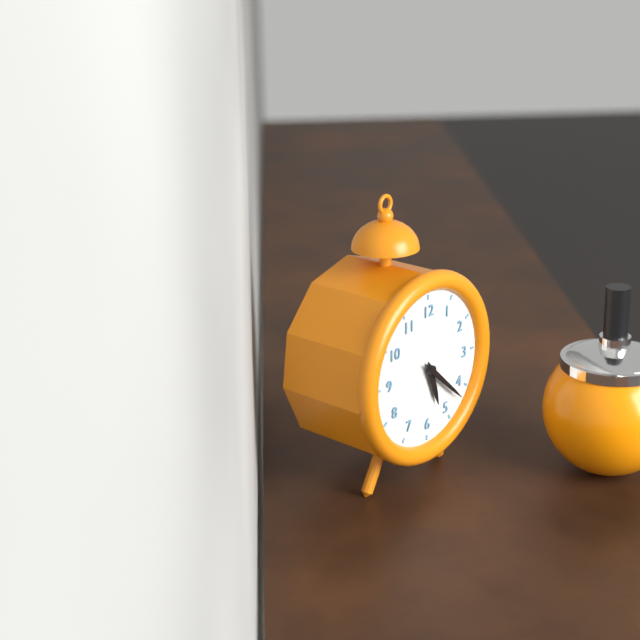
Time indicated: 5h22
